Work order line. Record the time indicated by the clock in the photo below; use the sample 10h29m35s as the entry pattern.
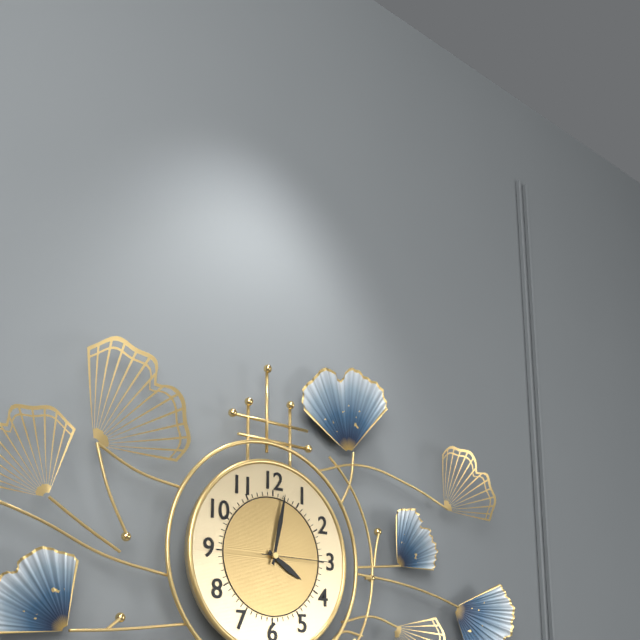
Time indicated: 4h02m15s
